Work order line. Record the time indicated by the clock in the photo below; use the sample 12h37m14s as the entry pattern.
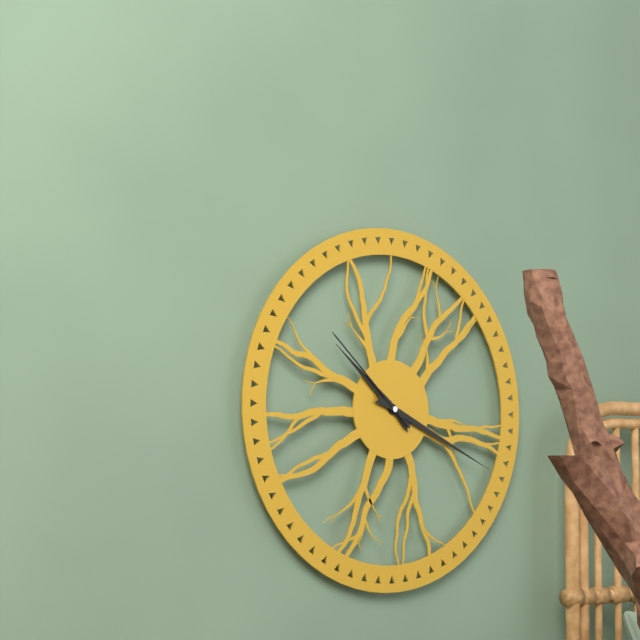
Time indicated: 10h19m52s
